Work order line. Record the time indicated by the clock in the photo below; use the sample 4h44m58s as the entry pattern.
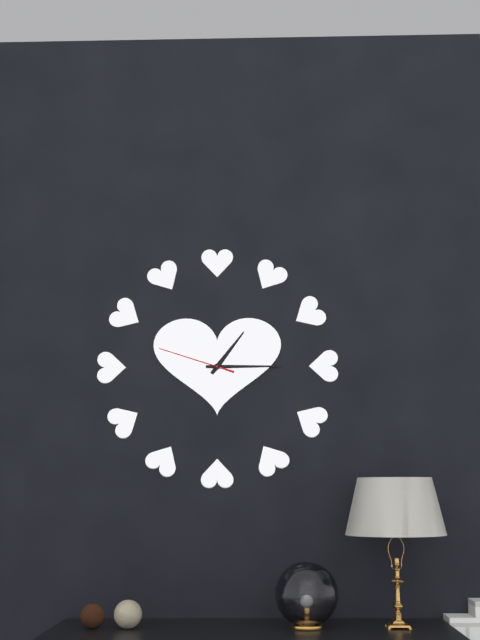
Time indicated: 1h15m48s
